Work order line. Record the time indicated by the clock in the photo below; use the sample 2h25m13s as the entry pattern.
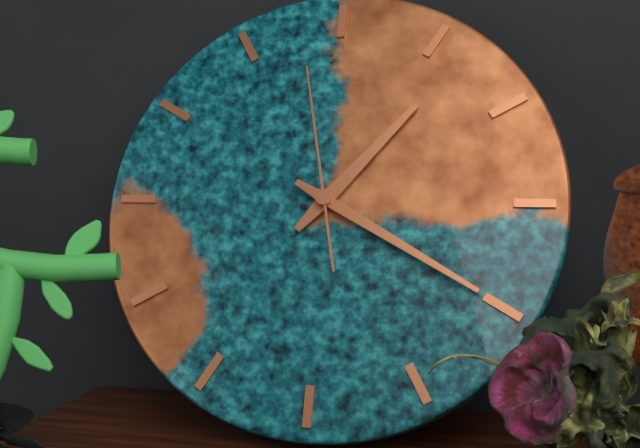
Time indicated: 1h20m58s
